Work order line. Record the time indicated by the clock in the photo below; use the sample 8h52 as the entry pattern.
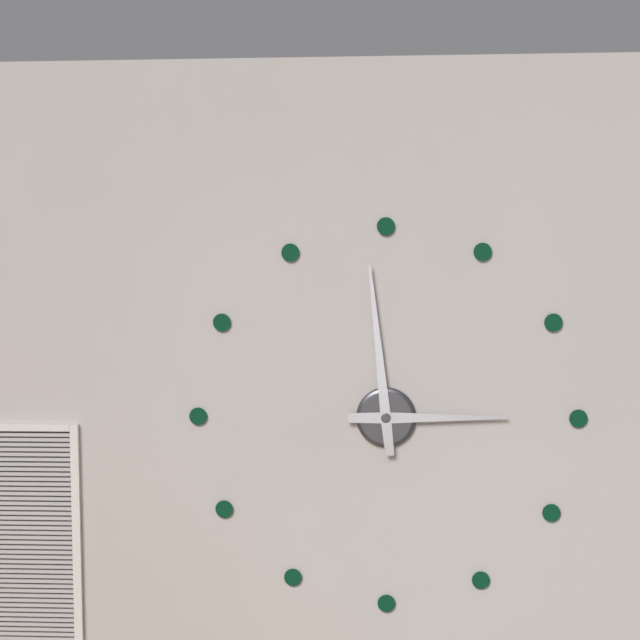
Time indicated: 2h59
